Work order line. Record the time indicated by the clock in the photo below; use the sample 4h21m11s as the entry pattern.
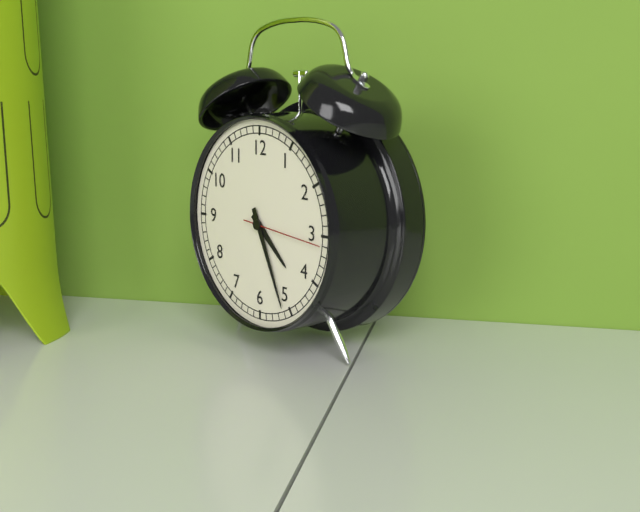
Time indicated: 4h26m16s
